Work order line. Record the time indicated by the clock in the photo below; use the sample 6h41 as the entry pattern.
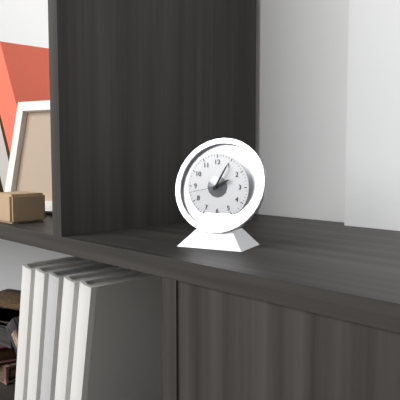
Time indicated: 2h05
